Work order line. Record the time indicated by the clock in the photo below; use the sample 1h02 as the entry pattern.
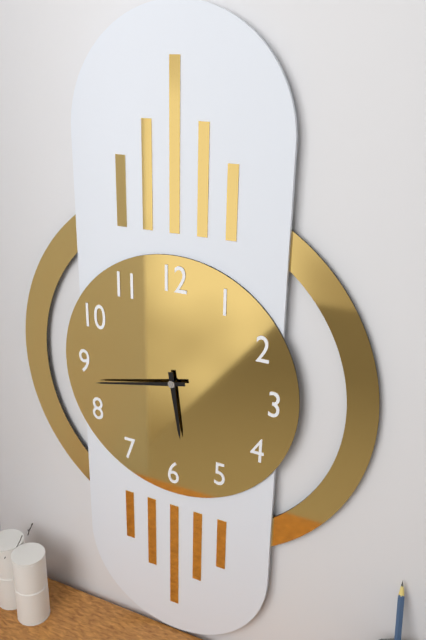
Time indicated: 5h43
